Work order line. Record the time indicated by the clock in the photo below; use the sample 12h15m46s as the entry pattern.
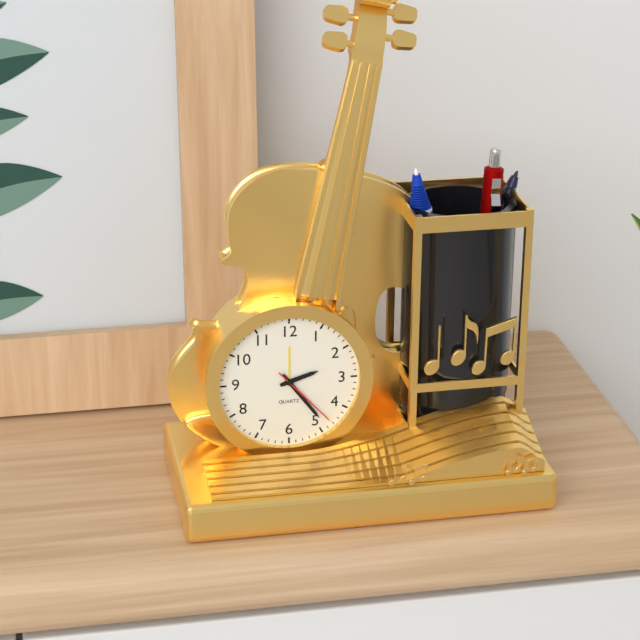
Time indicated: 2h24m23s
